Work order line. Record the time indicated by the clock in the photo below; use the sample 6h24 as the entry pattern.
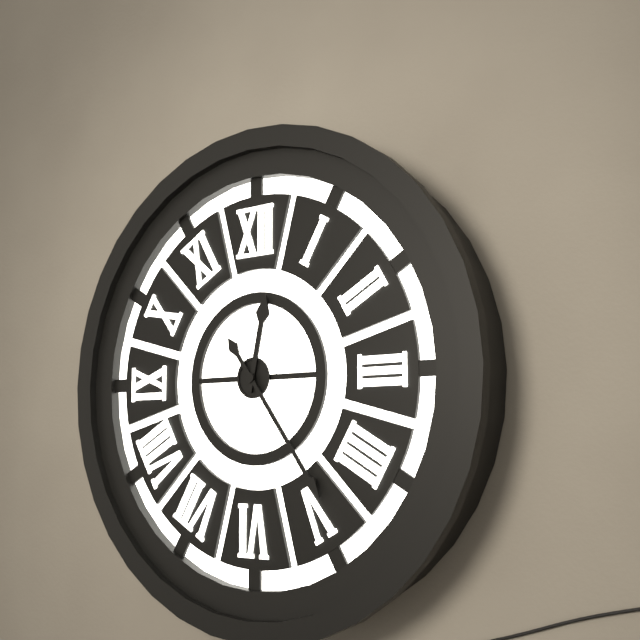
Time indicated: 12h24
